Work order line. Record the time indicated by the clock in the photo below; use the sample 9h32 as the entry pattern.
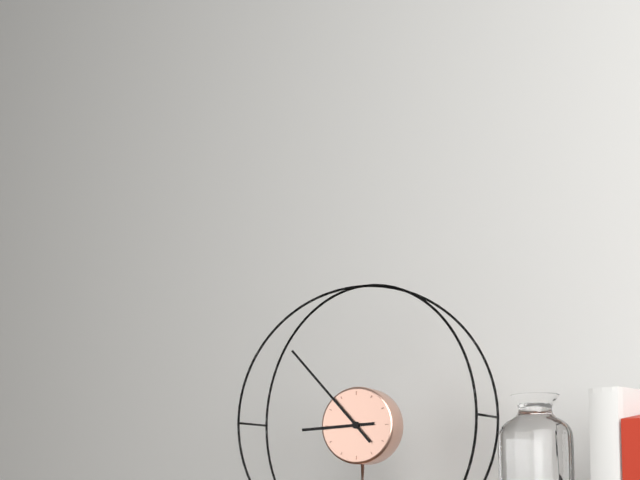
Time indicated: 8h53
